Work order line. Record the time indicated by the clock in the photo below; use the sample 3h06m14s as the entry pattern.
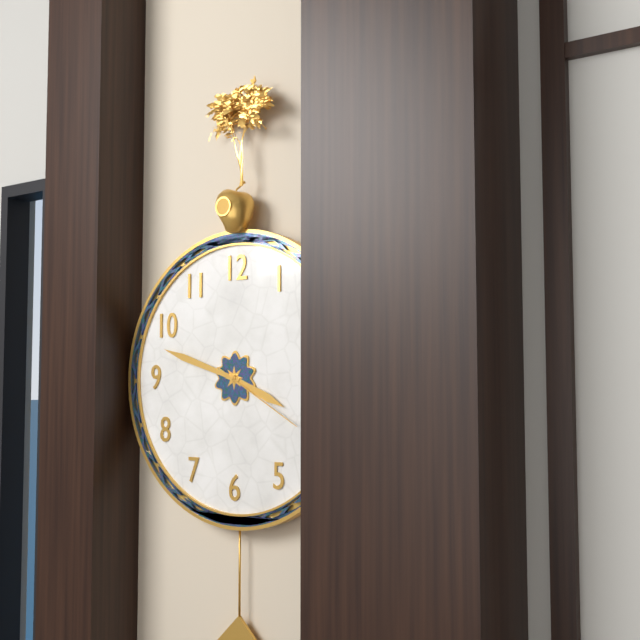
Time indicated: 3h48m20s
